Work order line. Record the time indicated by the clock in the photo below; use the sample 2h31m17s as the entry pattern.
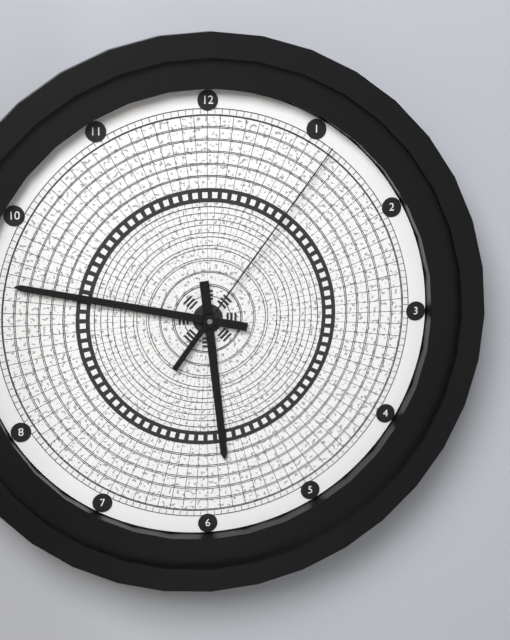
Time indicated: 5h47m06s
